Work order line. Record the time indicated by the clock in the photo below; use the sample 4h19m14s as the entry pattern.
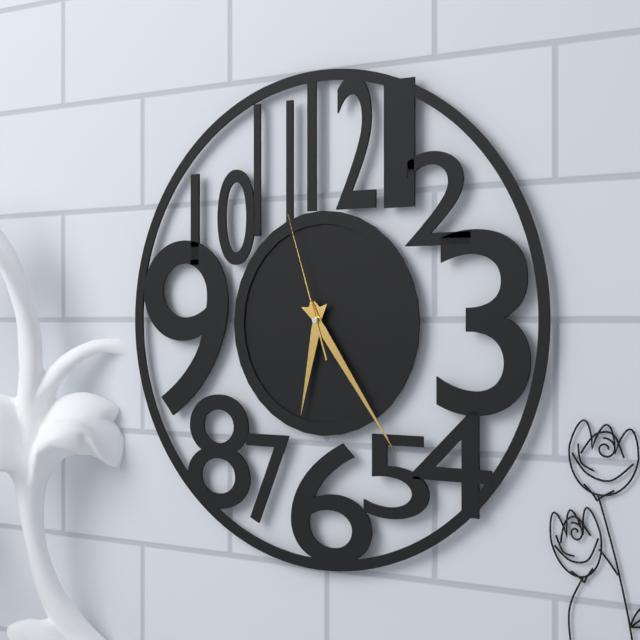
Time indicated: 6h24m57s
